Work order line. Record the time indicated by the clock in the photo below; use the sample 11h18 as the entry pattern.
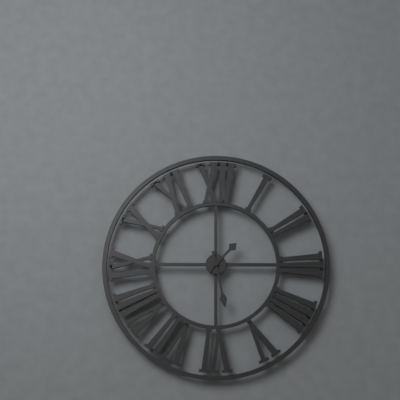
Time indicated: 1h28
